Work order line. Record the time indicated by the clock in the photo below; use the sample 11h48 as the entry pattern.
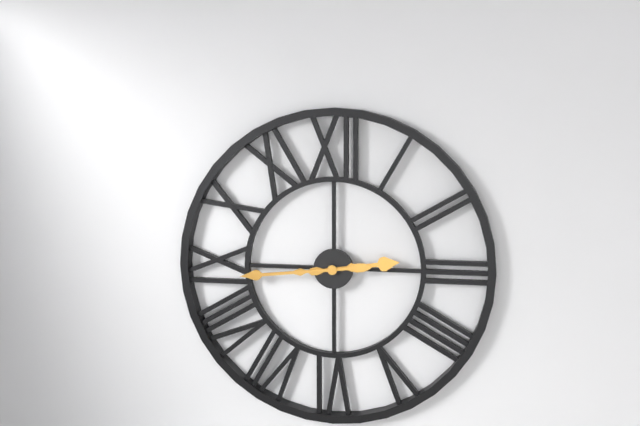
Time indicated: 2h44
